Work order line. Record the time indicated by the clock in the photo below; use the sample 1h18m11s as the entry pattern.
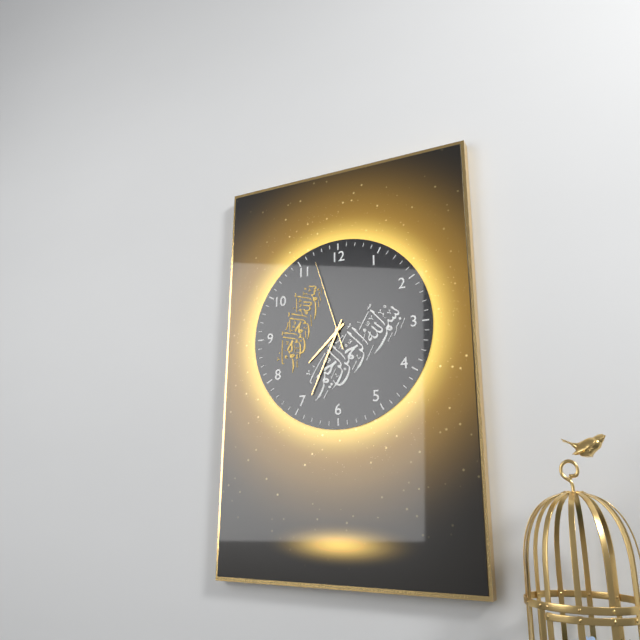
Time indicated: 7h34m57s
